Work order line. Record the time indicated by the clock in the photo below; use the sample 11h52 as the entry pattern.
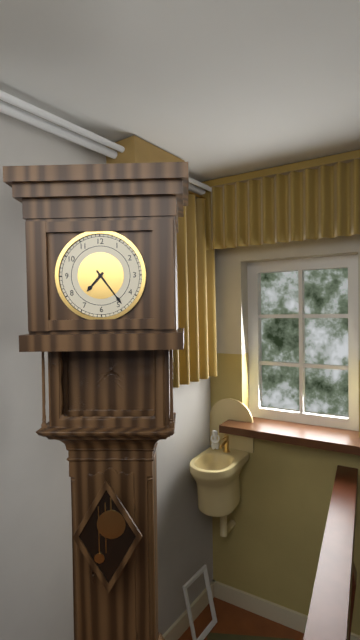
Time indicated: 7h24
